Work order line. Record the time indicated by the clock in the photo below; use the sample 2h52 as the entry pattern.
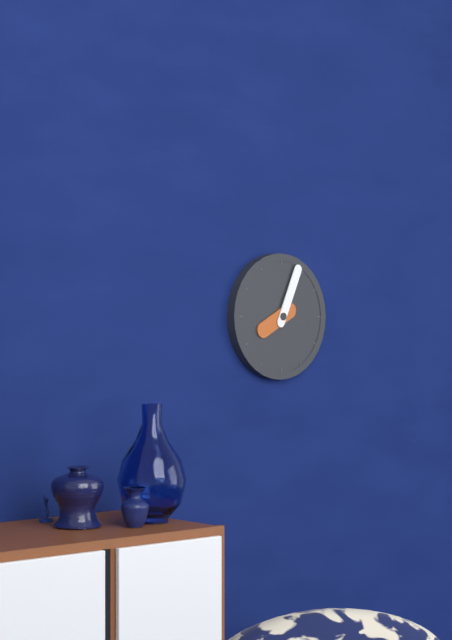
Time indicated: 8h04
